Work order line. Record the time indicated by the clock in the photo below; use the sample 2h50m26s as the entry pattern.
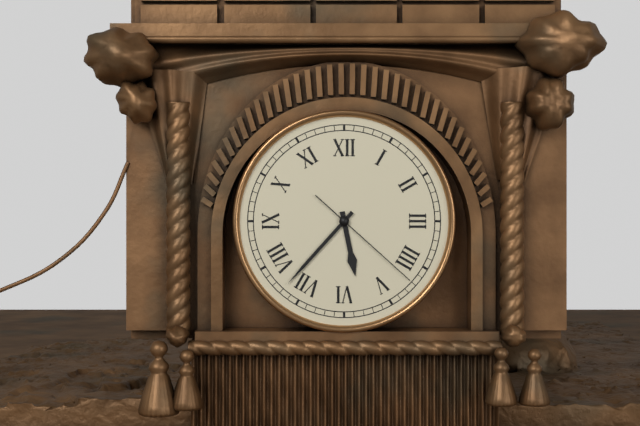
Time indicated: 5h37m22s
